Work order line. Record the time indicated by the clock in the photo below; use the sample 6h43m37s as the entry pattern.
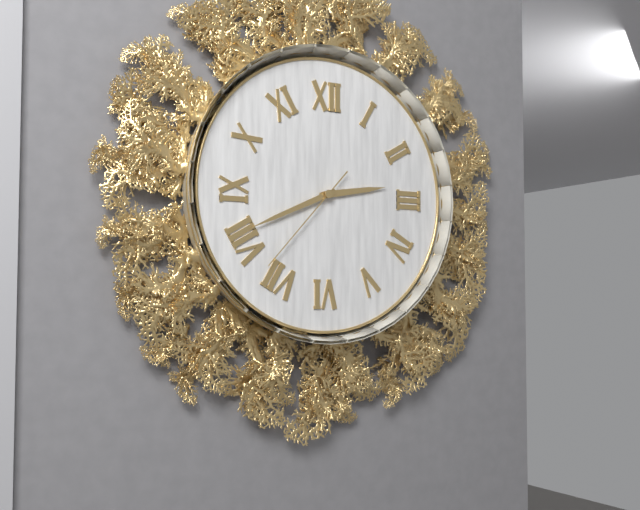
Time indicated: 2h41m37s
